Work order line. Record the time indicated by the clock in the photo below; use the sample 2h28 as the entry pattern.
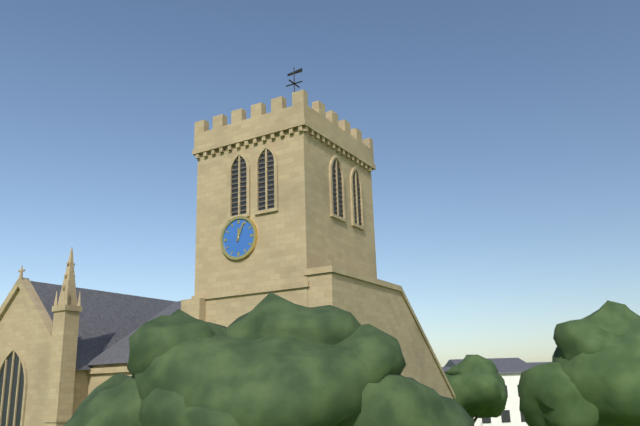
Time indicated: 12h04
